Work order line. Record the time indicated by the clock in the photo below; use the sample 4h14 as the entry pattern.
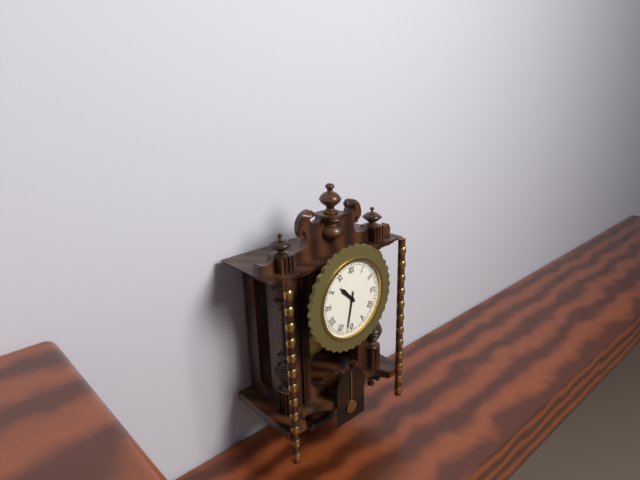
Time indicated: 10h32
